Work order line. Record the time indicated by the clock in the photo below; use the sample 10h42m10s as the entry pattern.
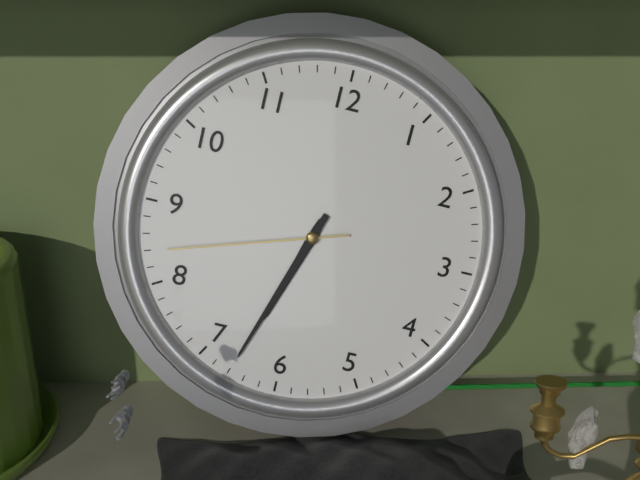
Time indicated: 6h33m42s
